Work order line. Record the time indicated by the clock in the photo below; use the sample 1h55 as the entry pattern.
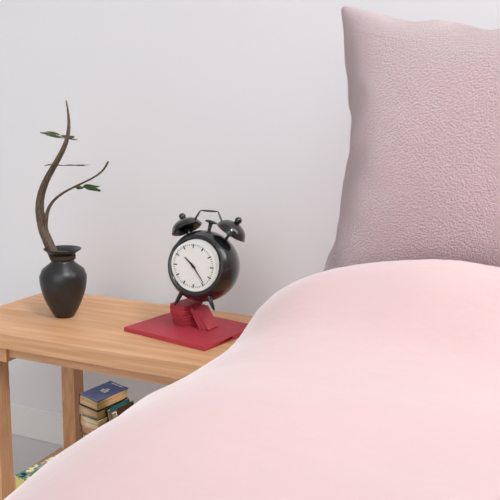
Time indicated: 10h24
